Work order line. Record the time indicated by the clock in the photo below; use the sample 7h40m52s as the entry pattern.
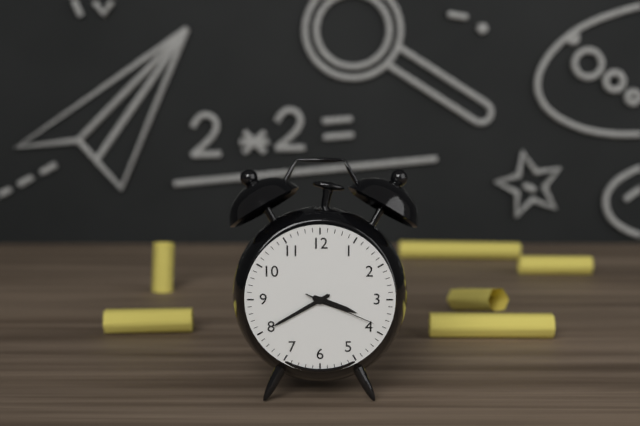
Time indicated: 3h40m19s
